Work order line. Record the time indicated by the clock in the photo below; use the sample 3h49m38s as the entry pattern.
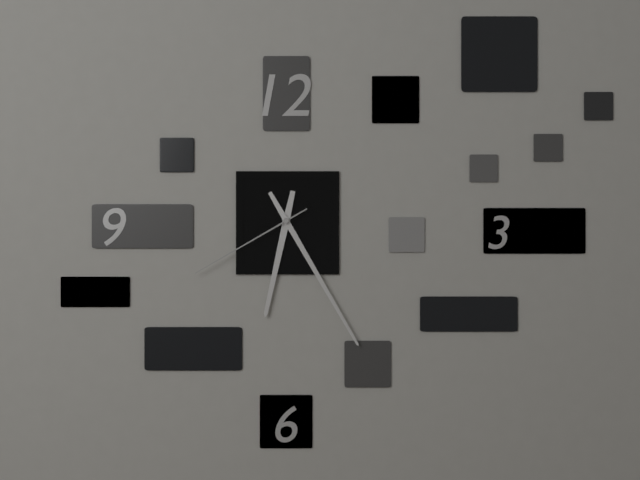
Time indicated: 6h25m40s
